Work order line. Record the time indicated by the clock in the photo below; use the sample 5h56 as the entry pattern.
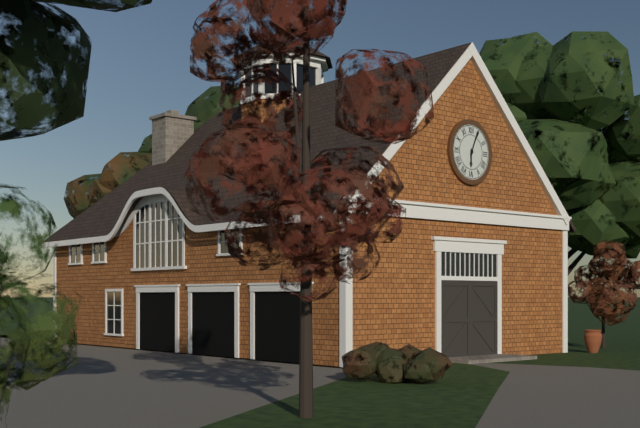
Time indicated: 6h04
